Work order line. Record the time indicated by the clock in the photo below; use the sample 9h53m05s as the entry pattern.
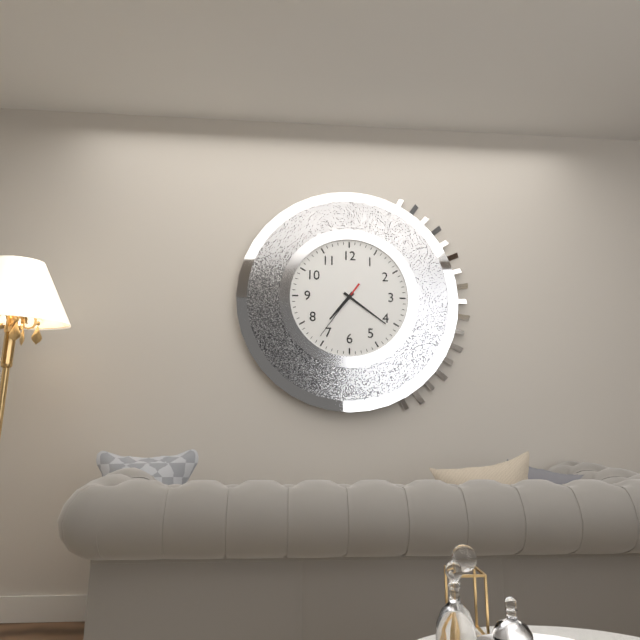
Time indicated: 7h21m36s
